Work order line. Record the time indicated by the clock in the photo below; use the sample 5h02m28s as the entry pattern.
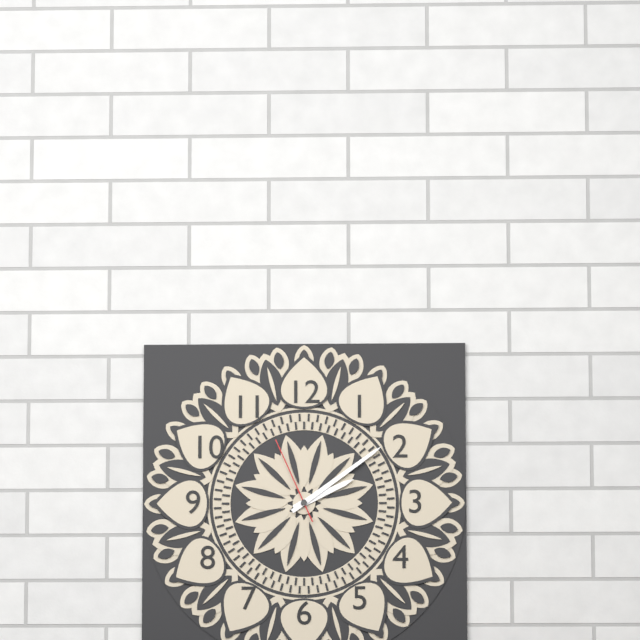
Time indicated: 2h09m56s
